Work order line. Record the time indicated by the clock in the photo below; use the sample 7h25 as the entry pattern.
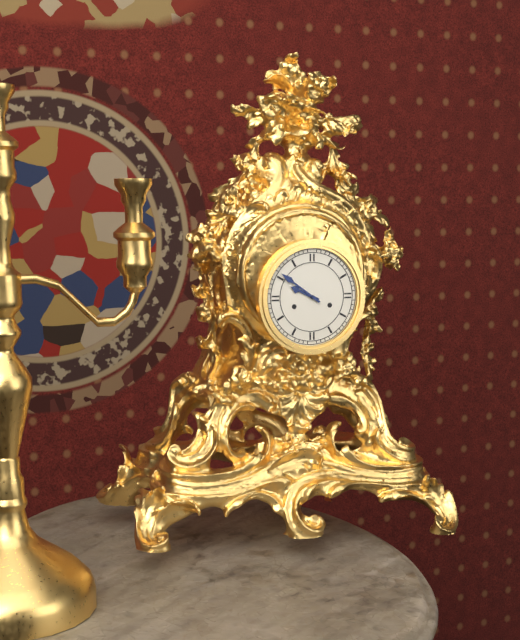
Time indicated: 9h51
